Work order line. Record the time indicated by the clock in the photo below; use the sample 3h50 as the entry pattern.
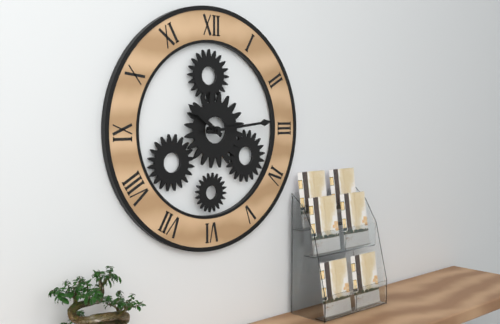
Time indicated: 10h14
